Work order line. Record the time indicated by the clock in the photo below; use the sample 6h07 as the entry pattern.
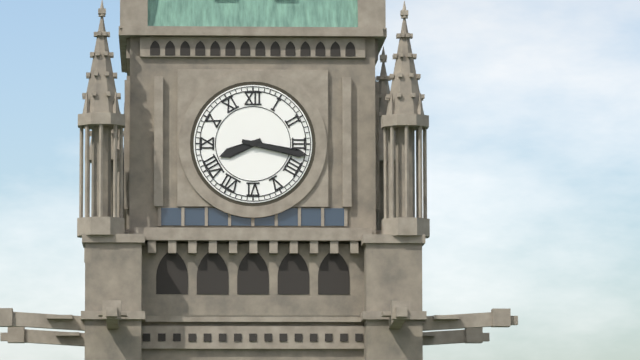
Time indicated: 8h17
